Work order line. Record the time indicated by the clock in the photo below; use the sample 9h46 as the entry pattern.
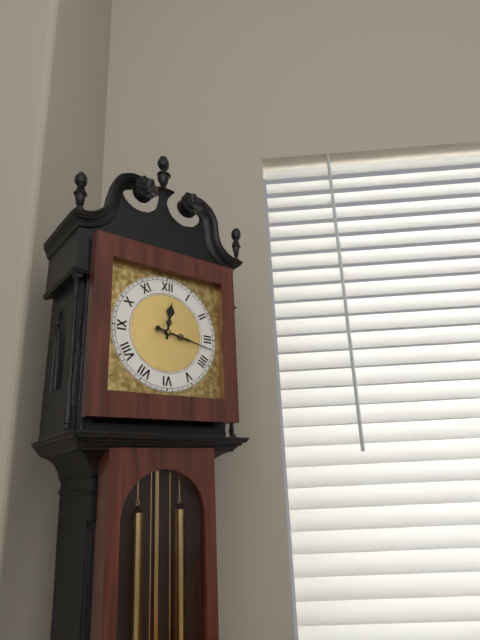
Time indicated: 12h17
